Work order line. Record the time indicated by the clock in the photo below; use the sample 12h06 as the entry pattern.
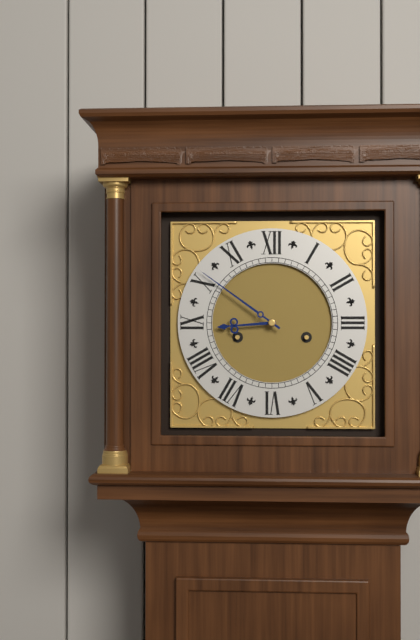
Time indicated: 8h51
